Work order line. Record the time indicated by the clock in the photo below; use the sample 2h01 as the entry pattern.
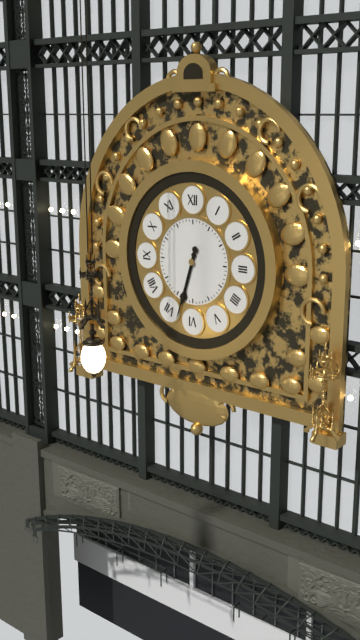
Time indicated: 6h33
